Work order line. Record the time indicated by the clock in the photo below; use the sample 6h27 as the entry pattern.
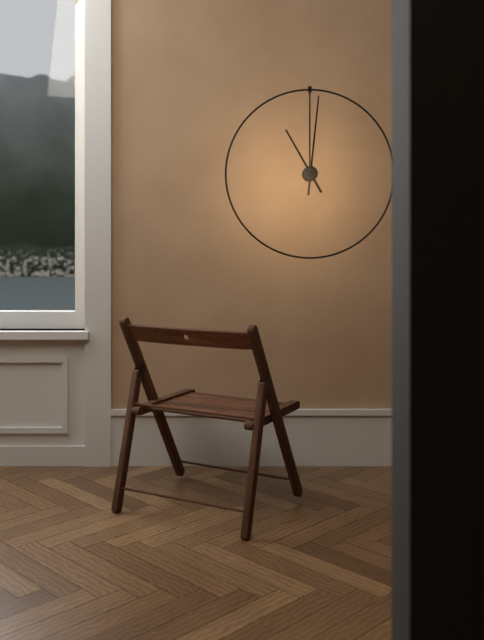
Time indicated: 11h01
